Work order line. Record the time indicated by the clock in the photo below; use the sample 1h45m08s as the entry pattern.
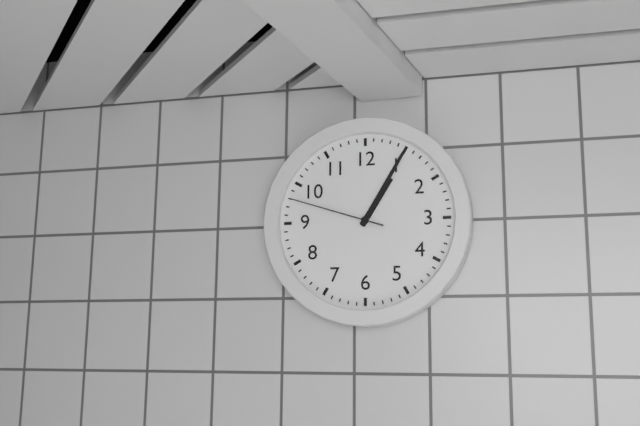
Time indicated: 1h05m48s
